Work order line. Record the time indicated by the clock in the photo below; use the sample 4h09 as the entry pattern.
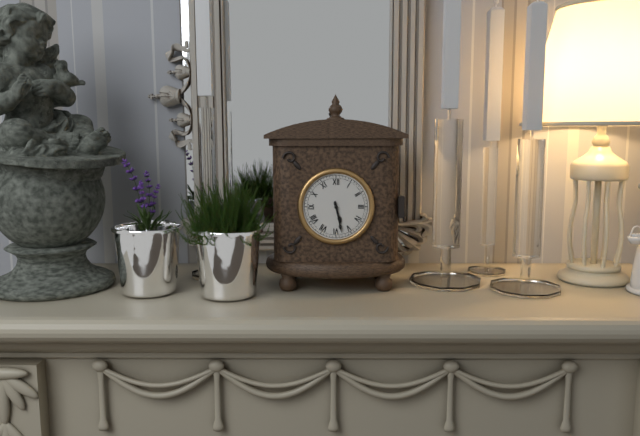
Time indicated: 5h28
